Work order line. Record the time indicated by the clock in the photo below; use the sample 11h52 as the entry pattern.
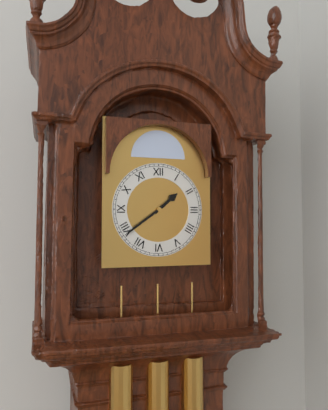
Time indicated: 1h39
